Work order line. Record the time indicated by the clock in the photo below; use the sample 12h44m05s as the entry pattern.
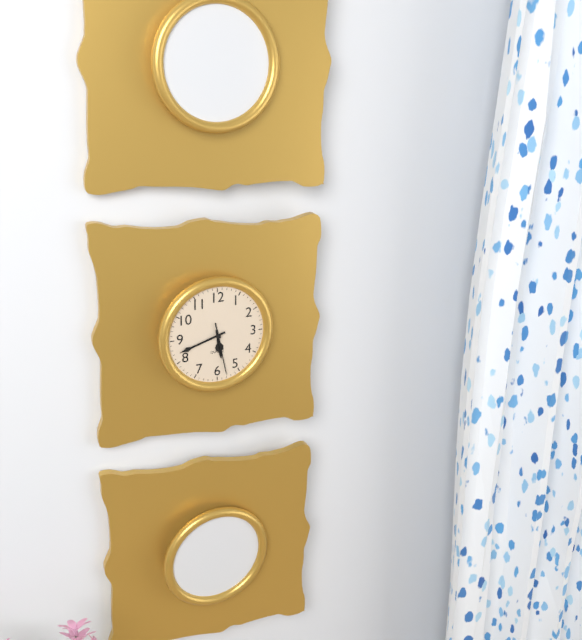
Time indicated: 5h42m28s
